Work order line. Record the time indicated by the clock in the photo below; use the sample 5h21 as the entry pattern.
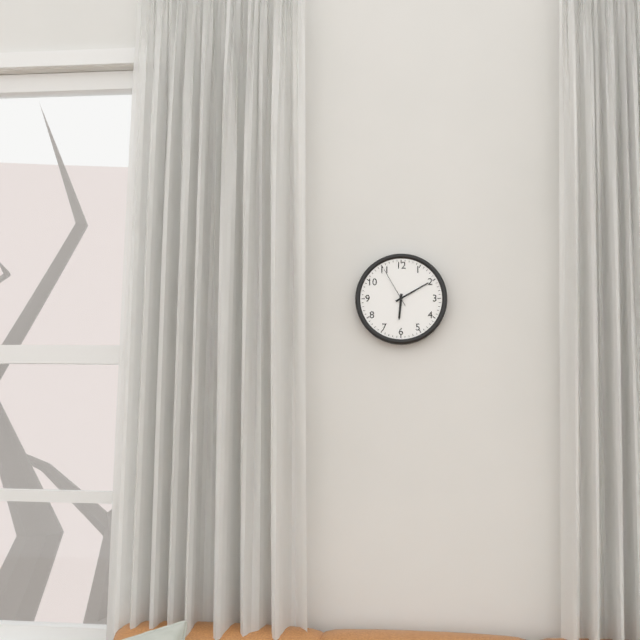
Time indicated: 6h10
